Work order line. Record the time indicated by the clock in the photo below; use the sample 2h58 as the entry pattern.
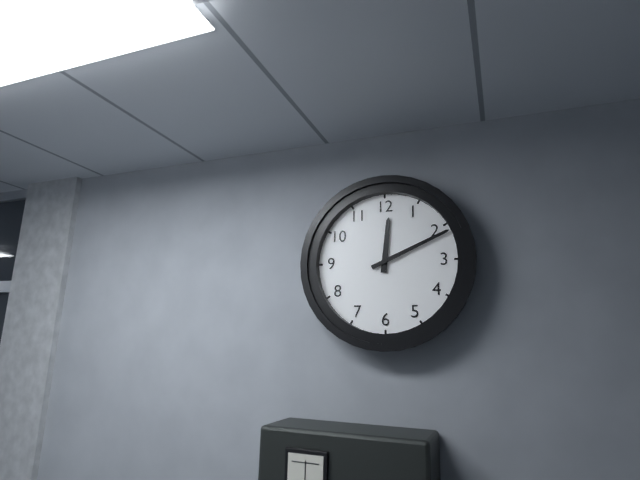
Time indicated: 12h11
